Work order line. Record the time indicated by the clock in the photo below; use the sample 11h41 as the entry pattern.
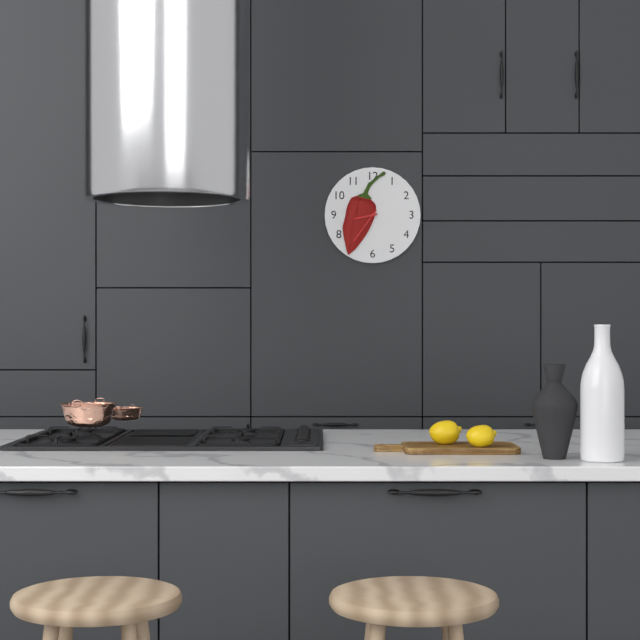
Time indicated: 8h36
